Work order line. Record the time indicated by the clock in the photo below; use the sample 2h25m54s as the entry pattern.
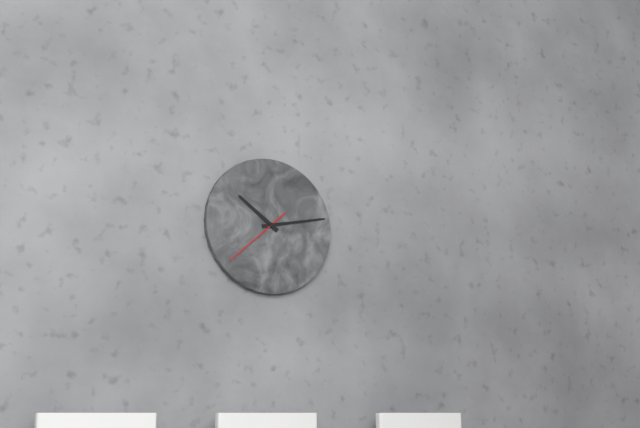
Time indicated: 10h13m38s
